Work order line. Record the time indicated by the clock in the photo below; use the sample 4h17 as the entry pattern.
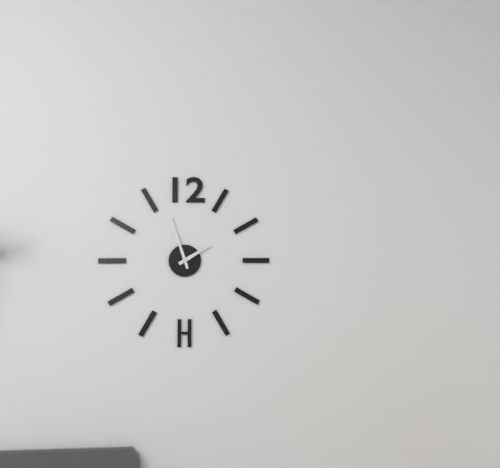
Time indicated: 1h57
